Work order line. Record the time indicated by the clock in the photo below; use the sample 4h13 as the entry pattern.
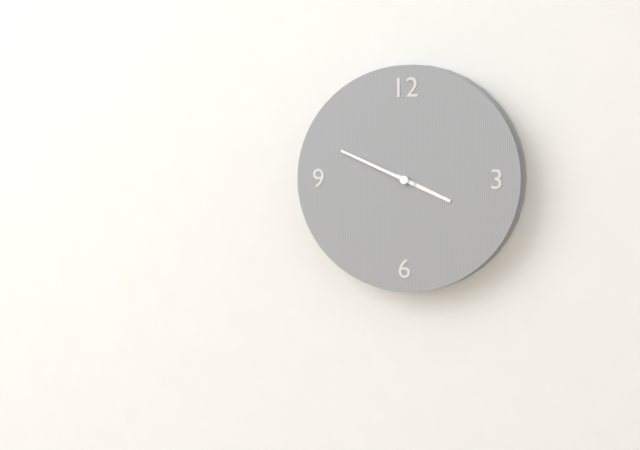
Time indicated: 3h49
